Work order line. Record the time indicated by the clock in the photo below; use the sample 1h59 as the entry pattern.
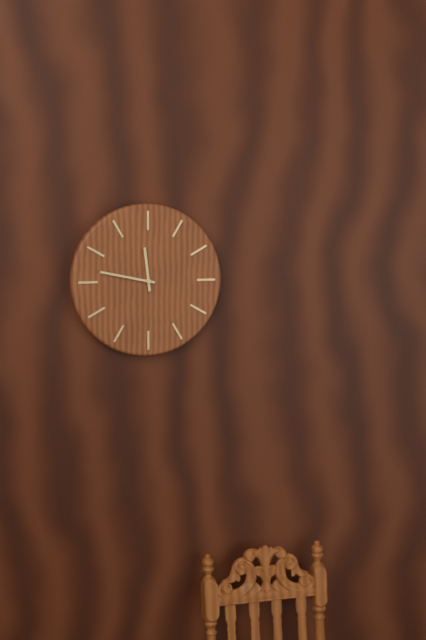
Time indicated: 11h47
